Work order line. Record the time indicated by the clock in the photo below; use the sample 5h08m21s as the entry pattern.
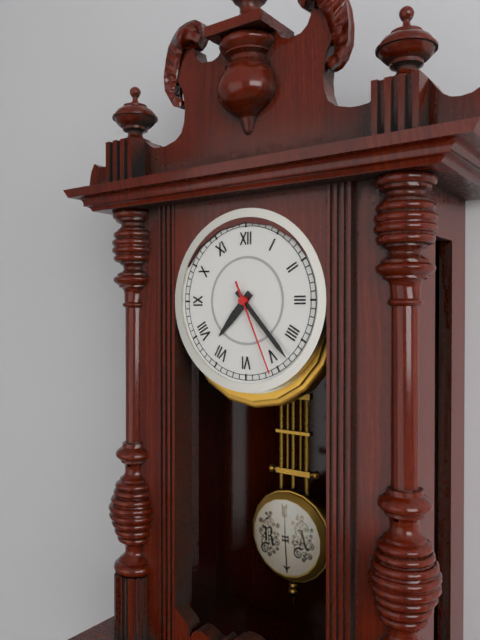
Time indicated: 7h23m26s
